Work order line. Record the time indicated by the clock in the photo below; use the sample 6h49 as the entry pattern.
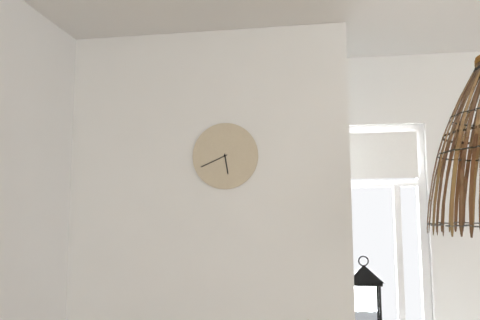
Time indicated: 5h41
